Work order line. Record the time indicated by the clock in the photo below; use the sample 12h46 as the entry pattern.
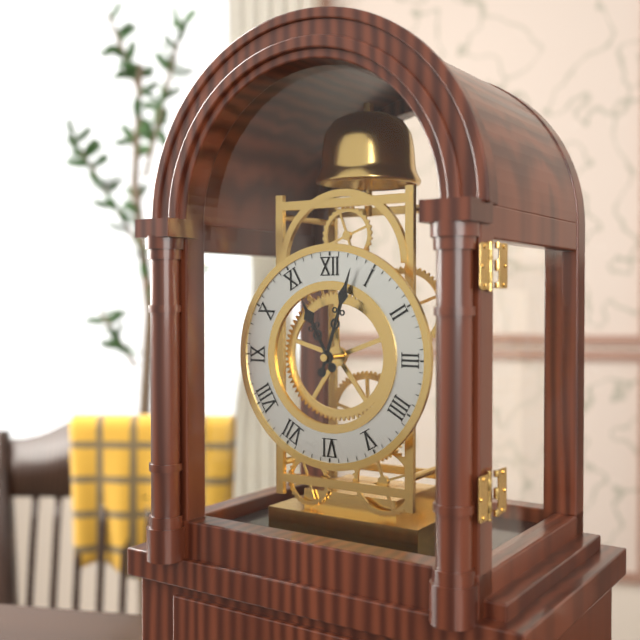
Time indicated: 11h03
